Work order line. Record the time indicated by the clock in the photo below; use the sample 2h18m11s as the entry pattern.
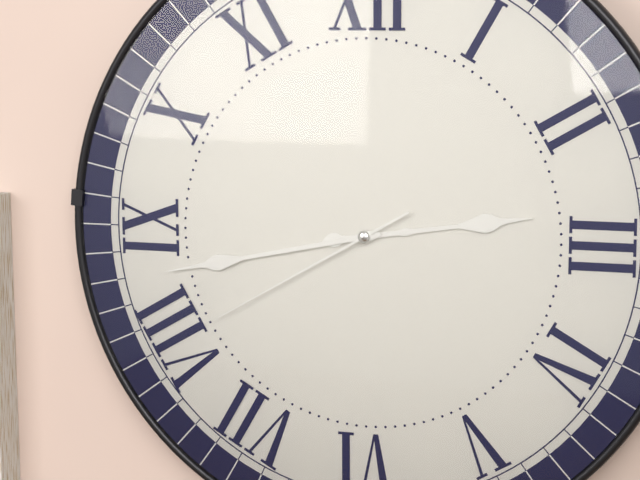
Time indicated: 2h43m40s
